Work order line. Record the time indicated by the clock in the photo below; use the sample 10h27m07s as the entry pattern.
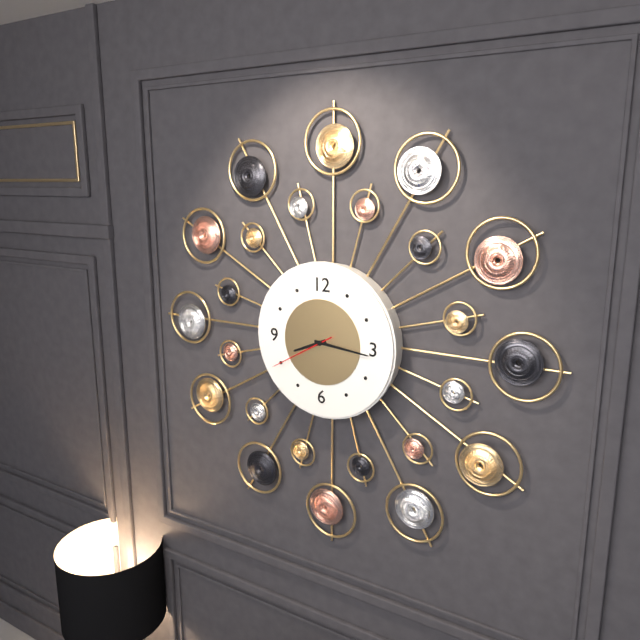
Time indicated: 8h16m40s
